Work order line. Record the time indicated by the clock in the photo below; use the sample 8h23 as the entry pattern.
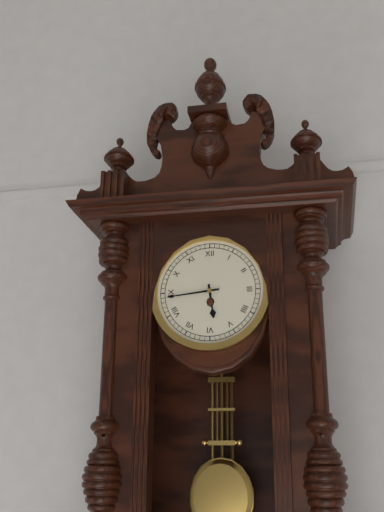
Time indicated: 5h44
